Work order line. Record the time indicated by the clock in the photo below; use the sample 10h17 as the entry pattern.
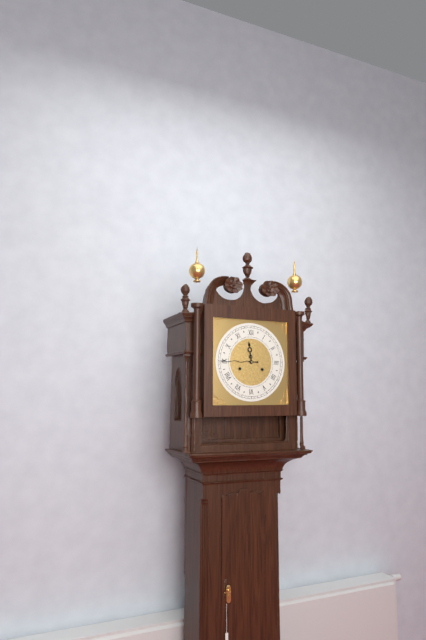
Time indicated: 11h45
